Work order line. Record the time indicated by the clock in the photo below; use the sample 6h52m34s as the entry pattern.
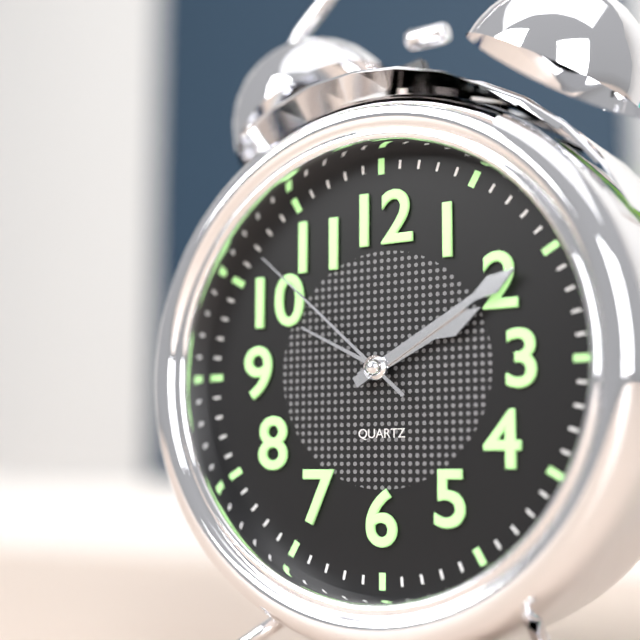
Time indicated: 2h10m52s
